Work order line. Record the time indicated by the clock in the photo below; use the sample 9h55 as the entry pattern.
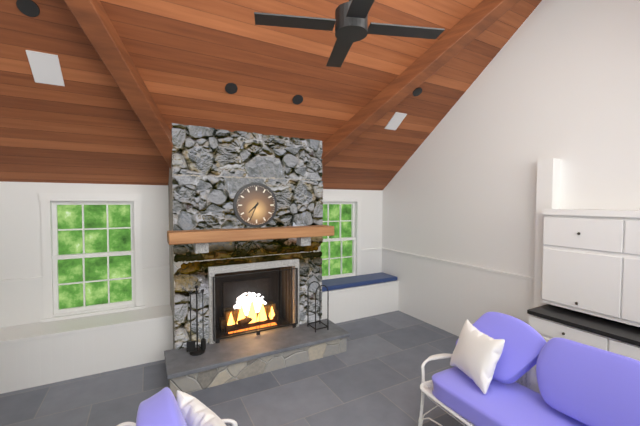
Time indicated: 7h34
